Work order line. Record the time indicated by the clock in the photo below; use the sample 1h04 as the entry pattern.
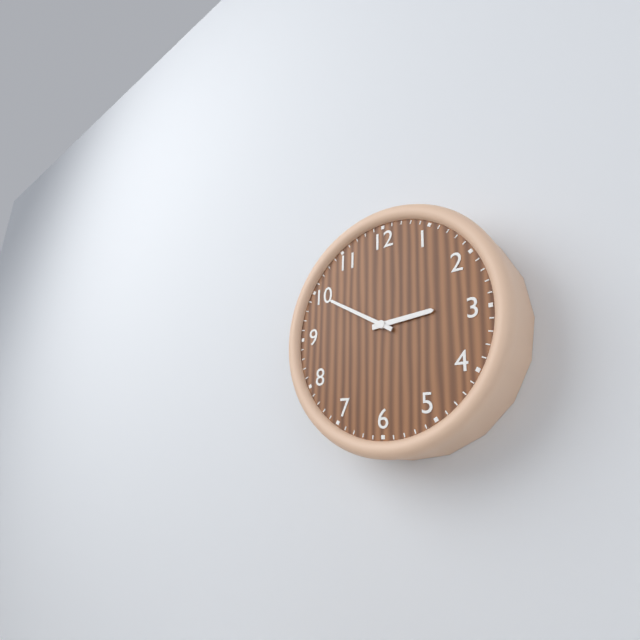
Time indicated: 2h50
